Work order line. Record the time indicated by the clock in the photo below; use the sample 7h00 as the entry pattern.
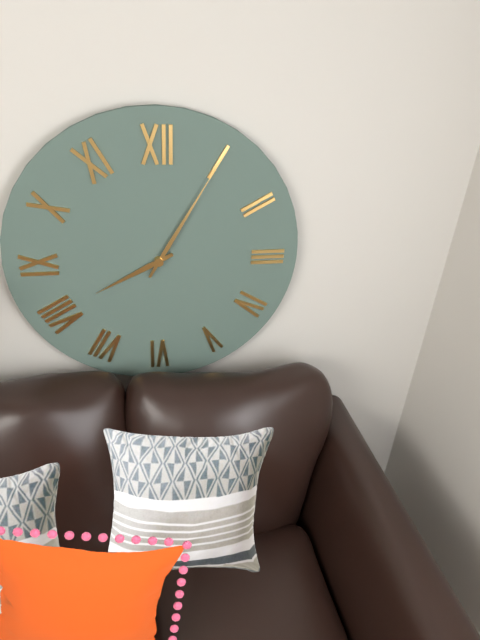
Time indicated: 8h05
